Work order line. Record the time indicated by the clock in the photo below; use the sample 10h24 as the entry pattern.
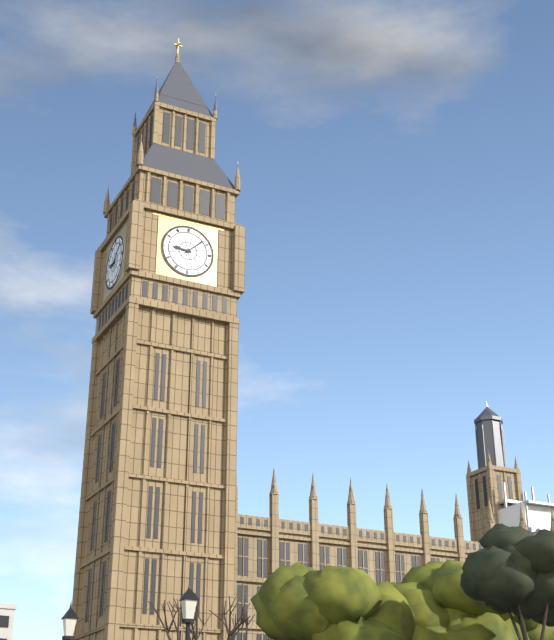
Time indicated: 9h08
